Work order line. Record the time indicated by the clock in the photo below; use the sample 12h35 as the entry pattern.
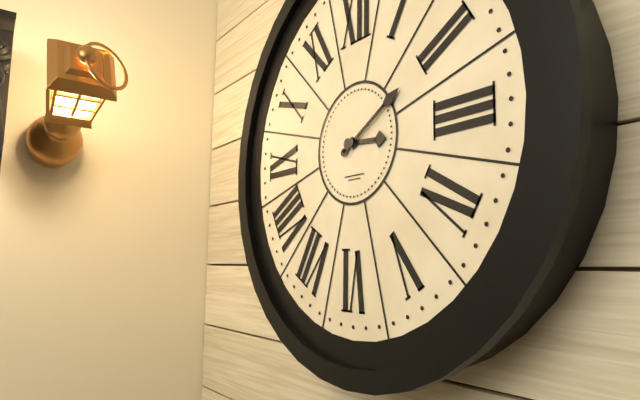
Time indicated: 3h10
